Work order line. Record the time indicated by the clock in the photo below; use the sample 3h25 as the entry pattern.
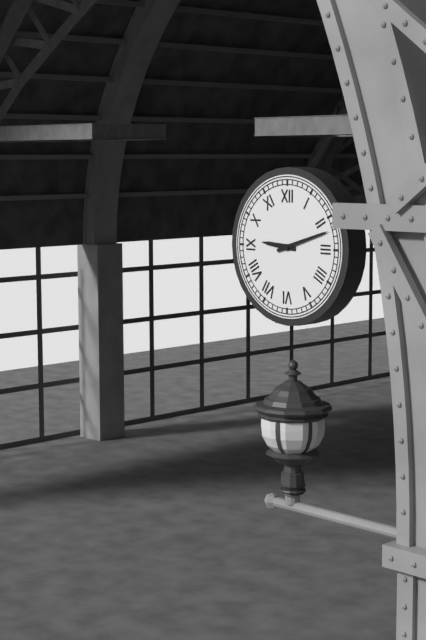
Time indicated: 9h12
